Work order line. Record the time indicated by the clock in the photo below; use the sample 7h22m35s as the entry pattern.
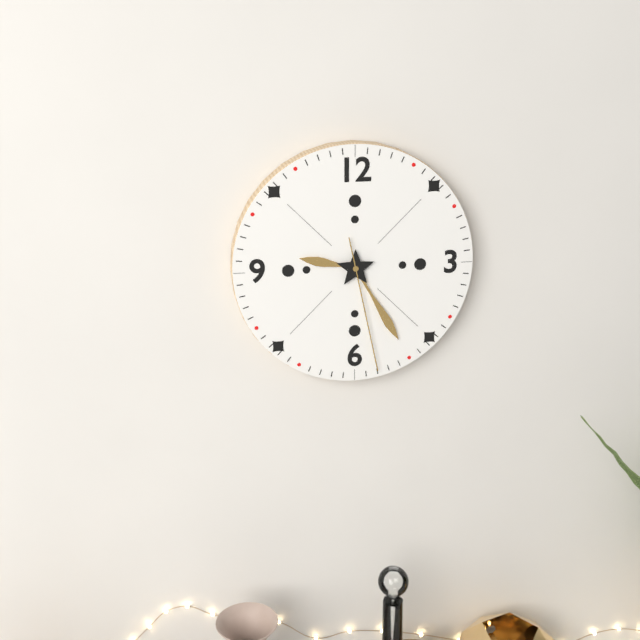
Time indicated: 9h25m28s
